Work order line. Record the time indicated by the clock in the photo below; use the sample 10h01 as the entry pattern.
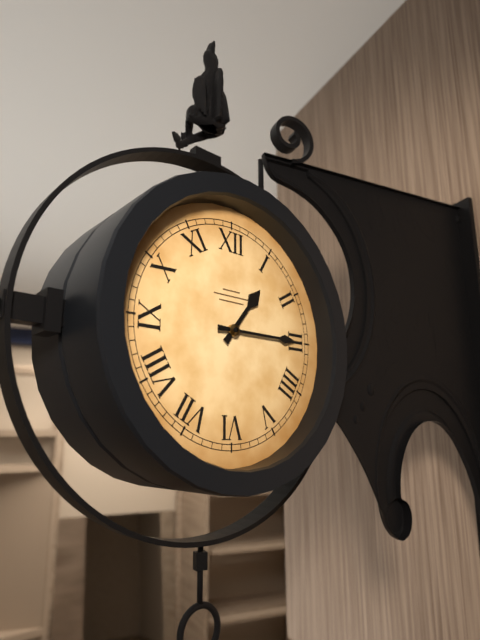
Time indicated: 1h15
